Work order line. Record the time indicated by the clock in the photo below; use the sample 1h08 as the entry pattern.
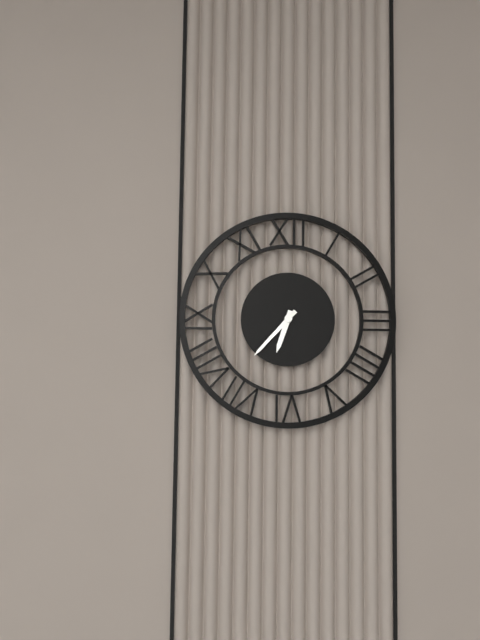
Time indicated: 6h37
